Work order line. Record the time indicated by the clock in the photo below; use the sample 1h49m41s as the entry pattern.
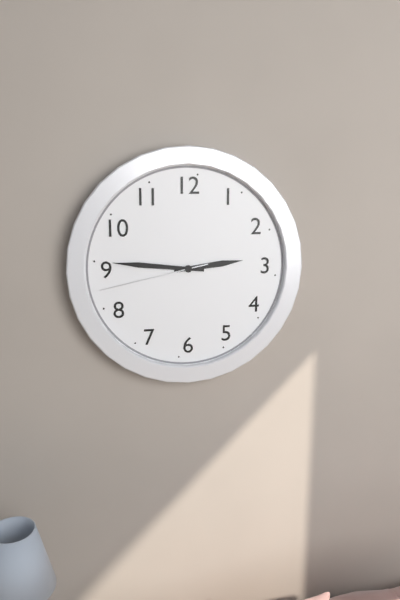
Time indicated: 2h46m43s
